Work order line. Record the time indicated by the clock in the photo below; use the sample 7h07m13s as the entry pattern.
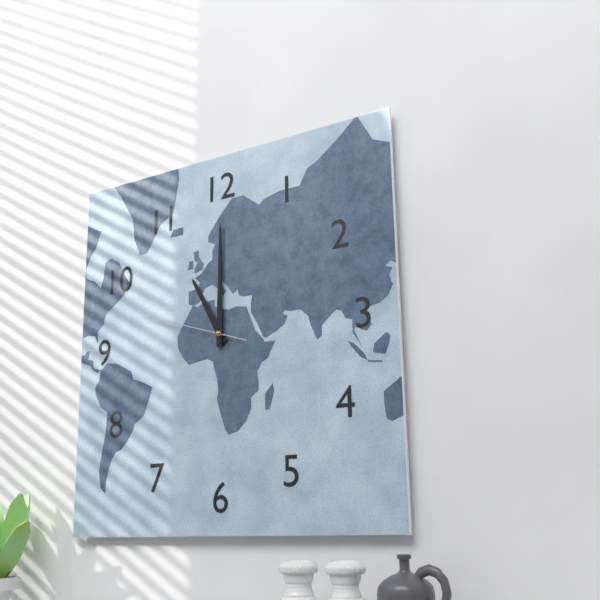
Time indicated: 11h00m48s
